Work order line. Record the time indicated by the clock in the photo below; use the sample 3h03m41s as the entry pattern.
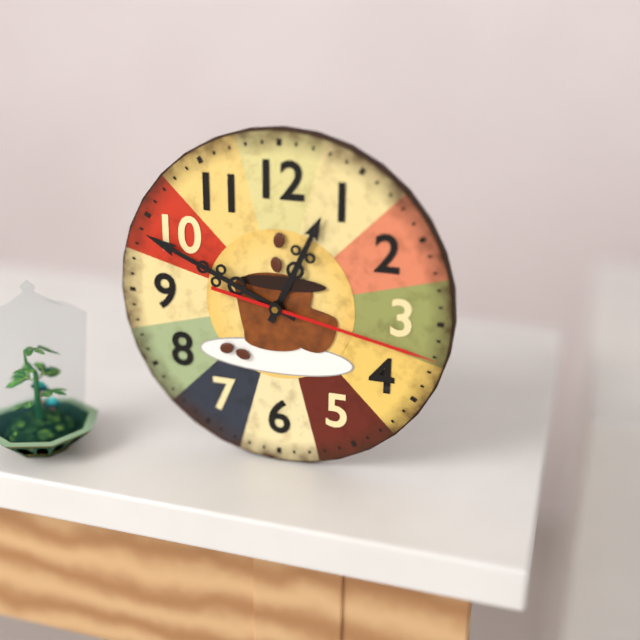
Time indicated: 12h49m17s
